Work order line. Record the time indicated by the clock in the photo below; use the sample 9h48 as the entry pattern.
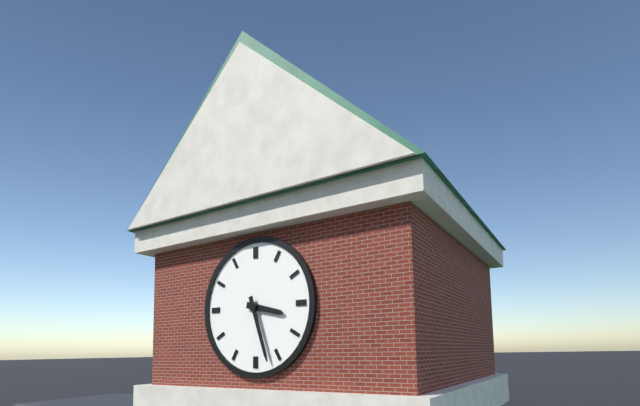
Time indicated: 3h27
